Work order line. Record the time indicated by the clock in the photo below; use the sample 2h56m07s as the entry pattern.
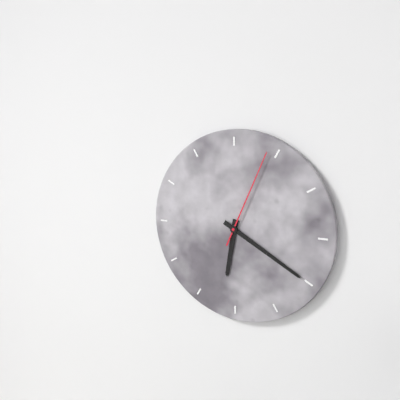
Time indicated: 6h20m04s
